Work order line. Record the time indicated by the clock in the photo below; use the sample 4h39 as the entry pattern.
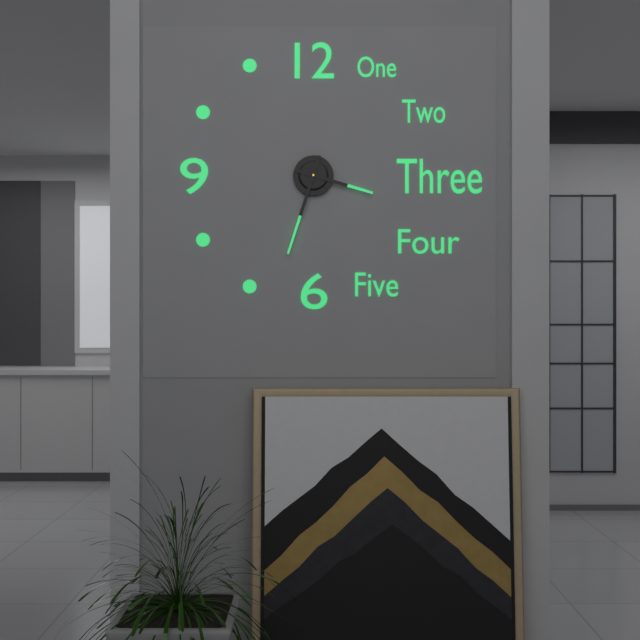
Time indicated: 3h33
